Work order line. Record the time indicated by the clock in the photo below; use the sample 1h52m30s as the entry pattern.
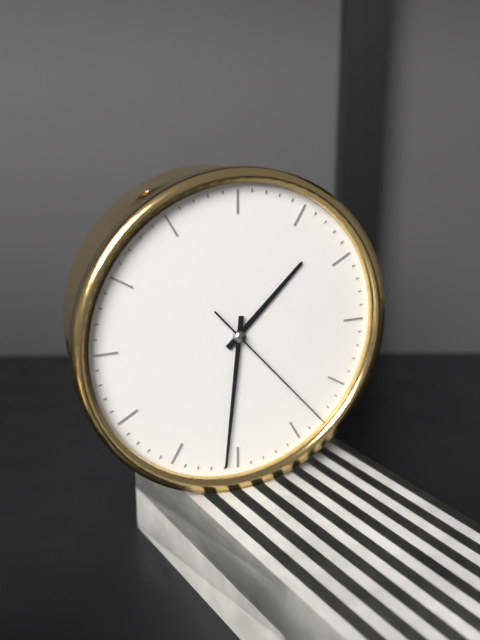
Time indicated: 1h31m23s
